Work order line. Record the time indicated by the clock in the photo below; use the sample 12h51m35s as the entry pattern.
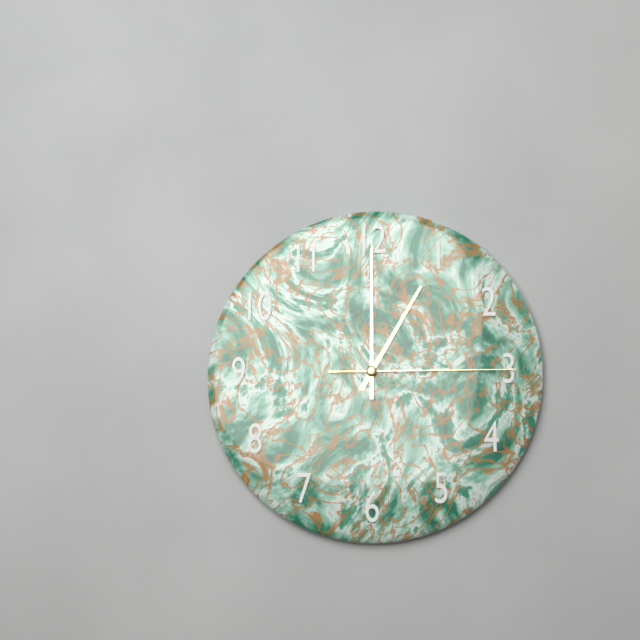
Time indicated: 1h00m15s
